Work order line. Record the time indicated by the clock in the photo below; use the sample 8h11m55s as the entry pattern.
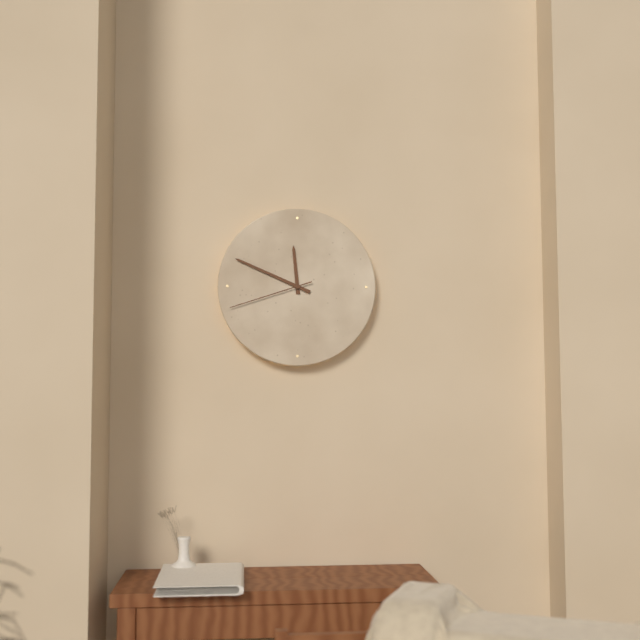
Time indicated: 11h49m42s
